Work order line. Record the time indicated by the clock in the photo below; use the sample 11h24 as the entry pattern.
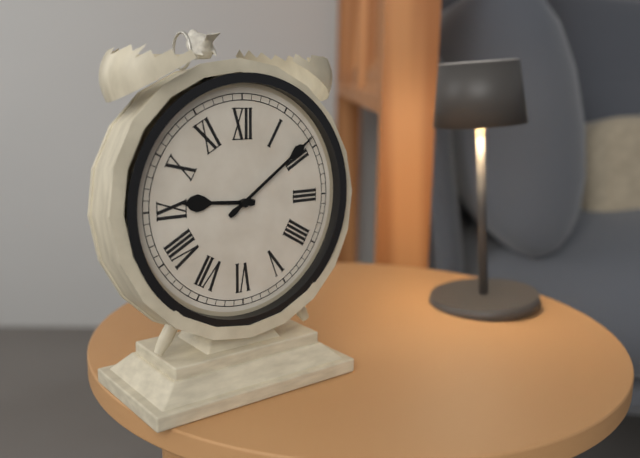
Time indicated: 9h09
